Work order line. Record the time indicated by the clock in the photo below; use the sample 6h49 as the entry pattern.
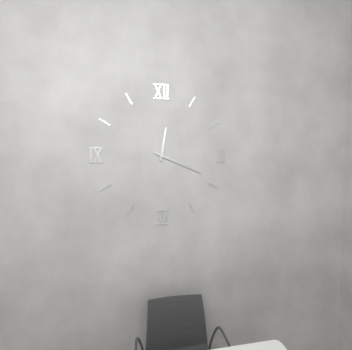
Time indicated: 12h19
